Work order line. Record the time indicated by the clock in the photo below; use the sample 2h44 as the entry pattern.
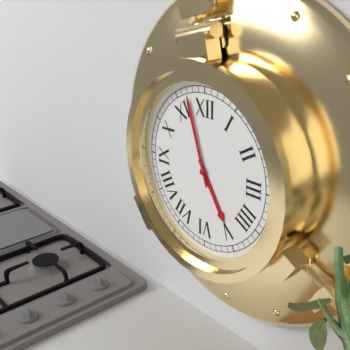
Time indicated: 4h57
